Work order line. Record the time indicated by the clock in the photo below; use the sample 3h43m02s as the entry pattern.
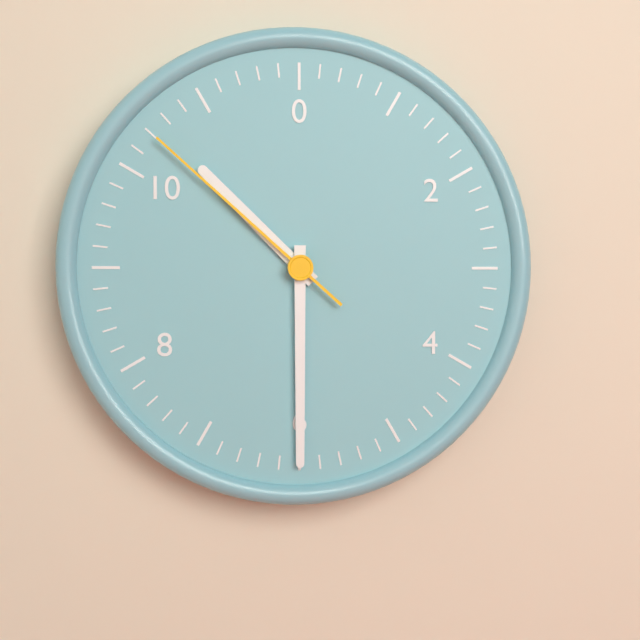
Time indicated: 10h30m52s
